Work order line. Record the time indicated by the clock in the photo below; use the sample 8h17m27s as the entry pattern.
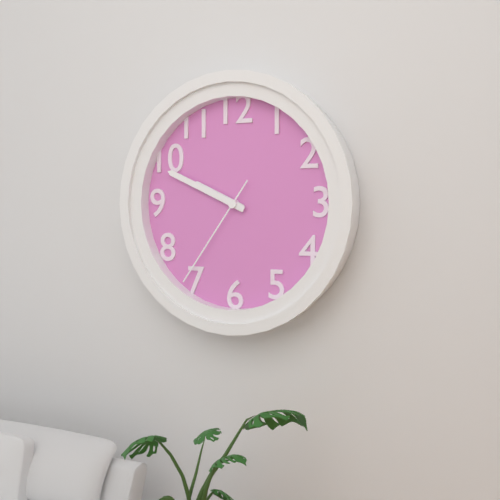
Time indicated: 9h49m36s
